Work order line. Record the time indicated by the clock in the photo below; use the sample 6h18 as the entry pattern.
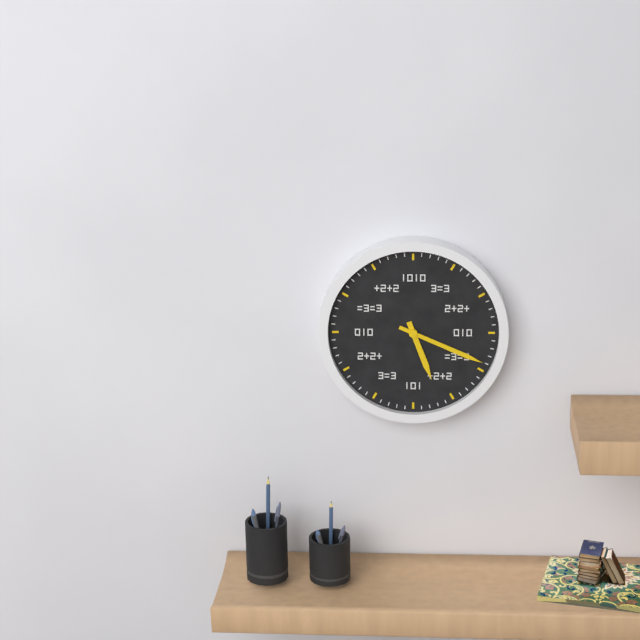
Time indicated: 5h19
